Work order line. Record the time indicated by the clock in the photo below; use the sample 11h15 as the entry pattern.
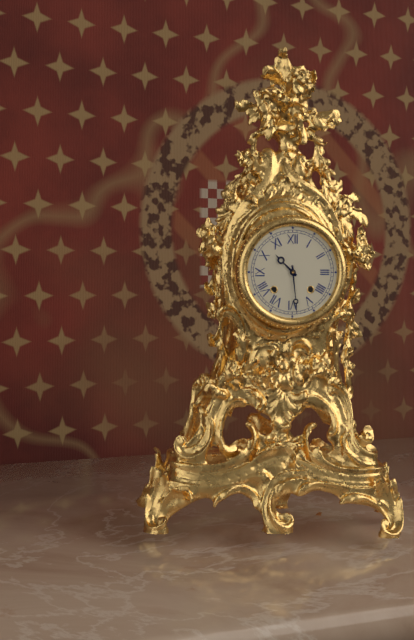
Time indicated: 10h29
